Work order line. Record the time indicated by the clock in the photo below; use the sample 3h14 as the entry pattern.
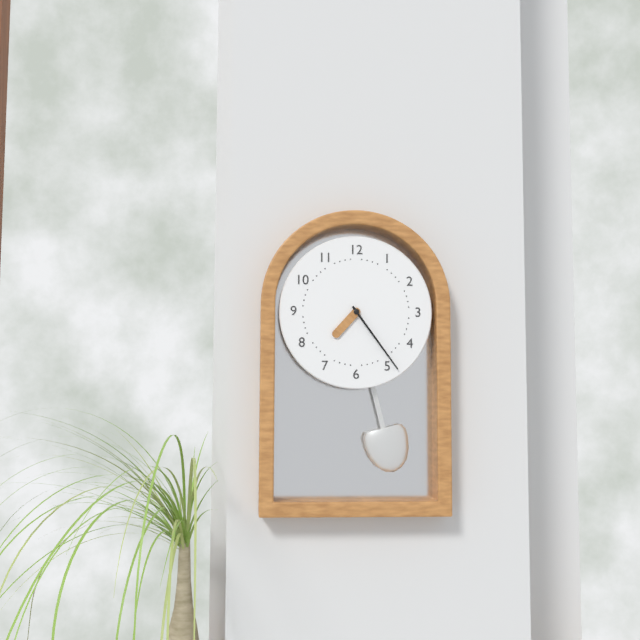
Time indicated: 7h24
